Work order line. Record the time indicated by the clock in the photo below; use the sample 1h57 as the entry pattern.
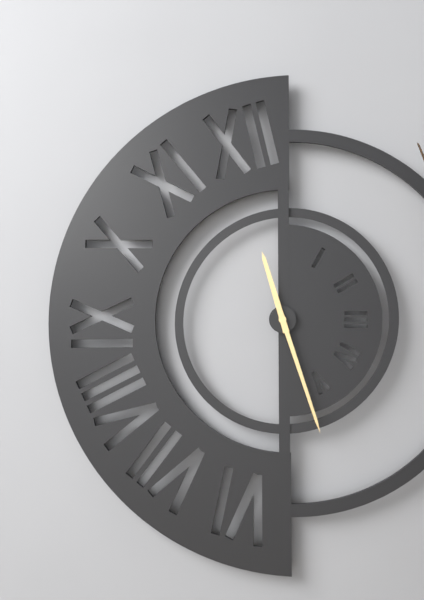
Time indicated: 11h27
